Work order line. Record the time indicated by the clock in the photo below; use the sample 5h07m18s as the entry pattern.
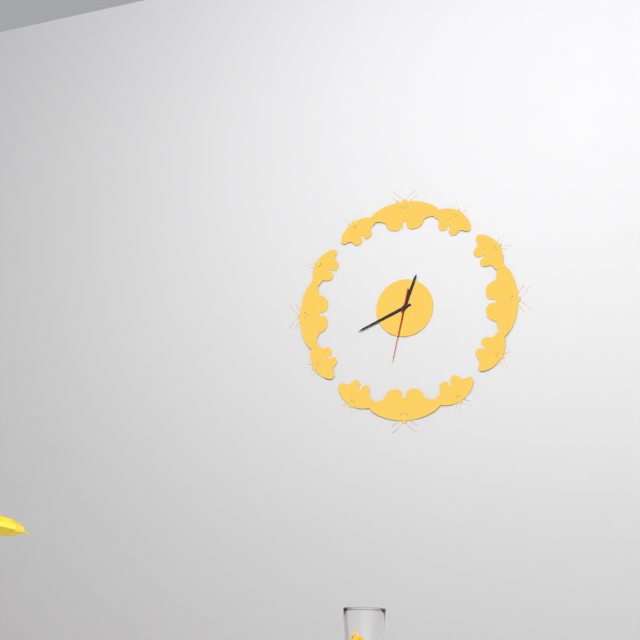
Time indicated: 12h41m32s
